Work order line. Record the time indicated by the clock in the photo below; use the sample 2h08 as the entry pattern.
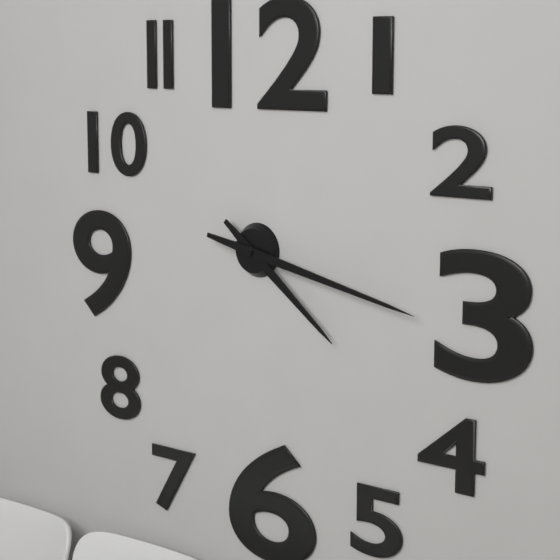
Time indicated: 4h17
